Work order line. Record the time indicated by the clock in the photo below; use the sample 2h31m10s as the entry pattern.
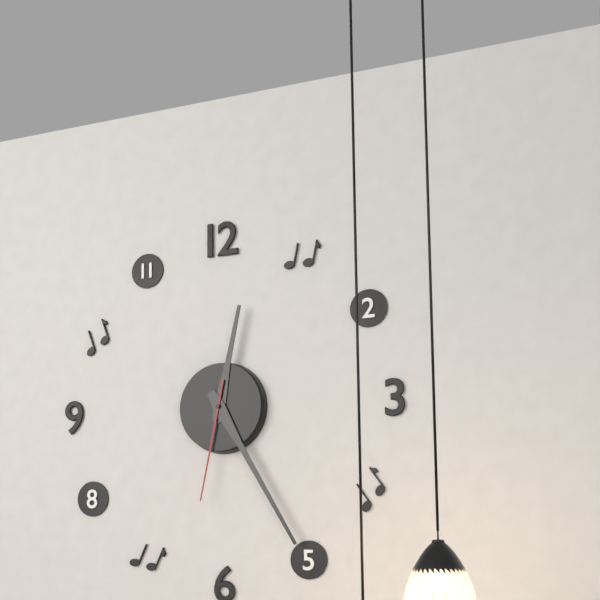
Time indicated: 12h25m32s
